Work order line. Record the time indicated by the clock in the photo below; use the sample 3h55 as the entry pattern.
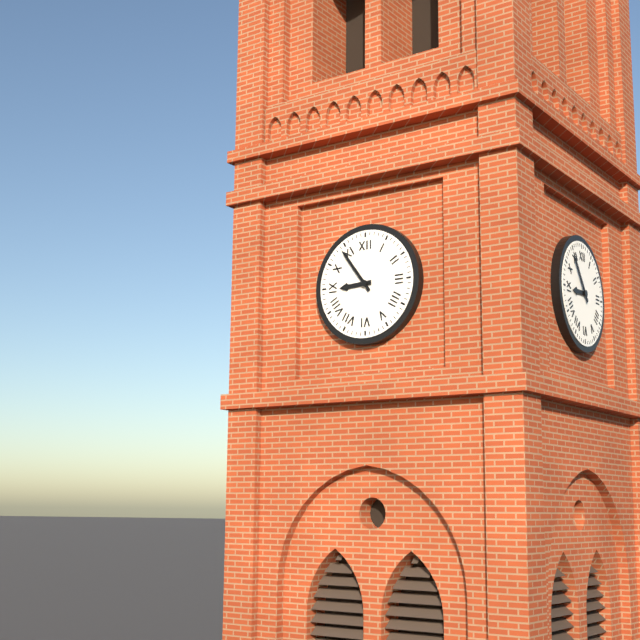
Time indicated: 8h54
